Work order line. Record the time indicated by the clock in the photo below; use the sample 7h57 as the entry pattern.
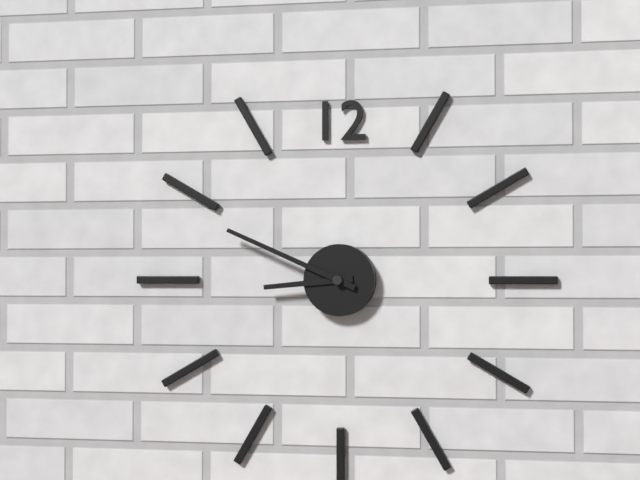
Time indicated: 8h49
